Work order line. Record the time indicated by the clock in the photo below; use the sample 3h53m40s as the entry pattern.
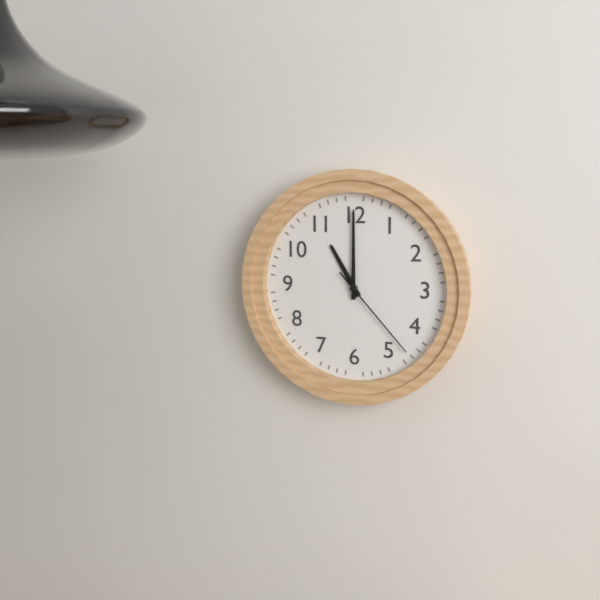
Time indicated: 11h00m23s
